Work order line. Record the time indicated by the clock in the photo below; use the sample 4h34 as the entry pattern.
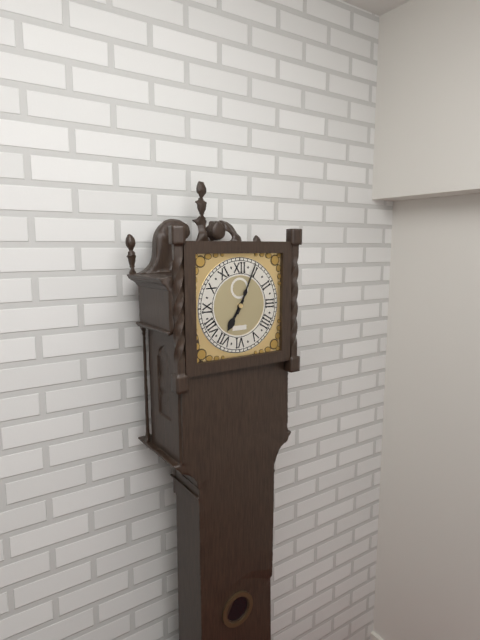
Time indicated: 7h04
